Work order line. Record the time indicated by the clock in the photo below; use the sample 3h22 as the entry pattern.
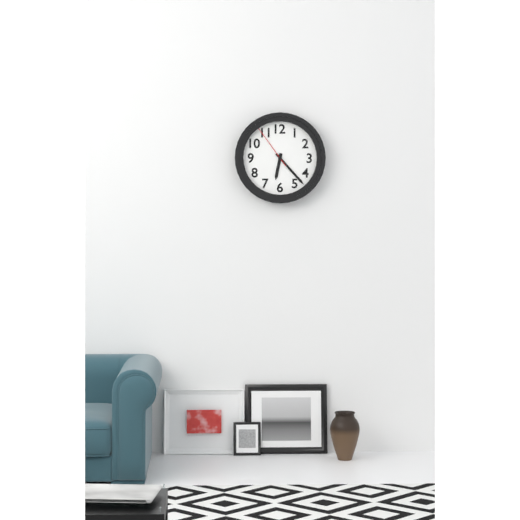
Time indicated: 6h23
